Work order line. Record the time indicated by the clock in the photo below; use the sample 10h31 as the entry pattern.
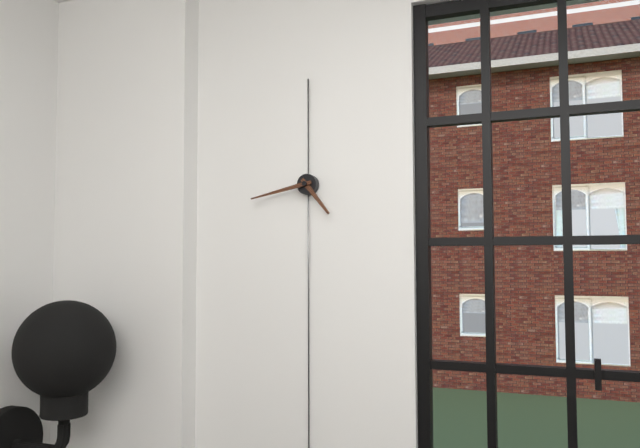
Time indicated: 4h43
